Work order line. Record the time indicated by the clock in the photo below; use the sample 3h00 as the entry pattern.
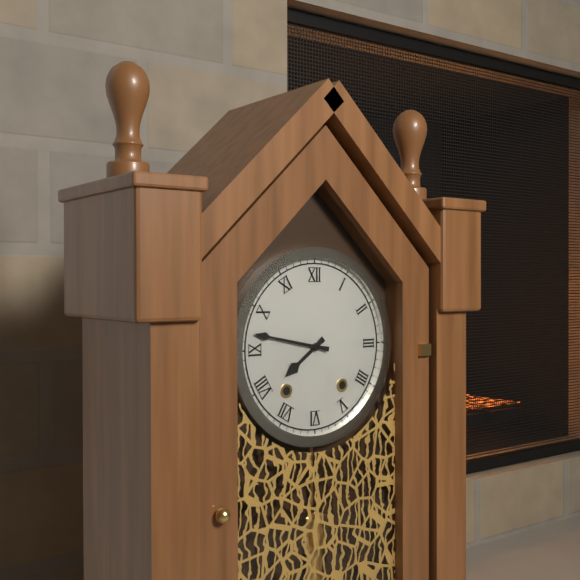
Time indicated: 7h47
